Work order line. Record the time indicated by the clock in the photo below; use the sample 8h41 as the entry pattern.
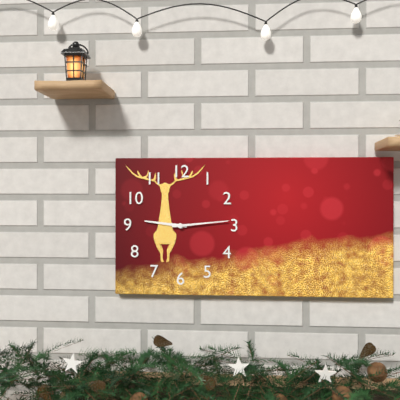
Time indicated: 9h14
